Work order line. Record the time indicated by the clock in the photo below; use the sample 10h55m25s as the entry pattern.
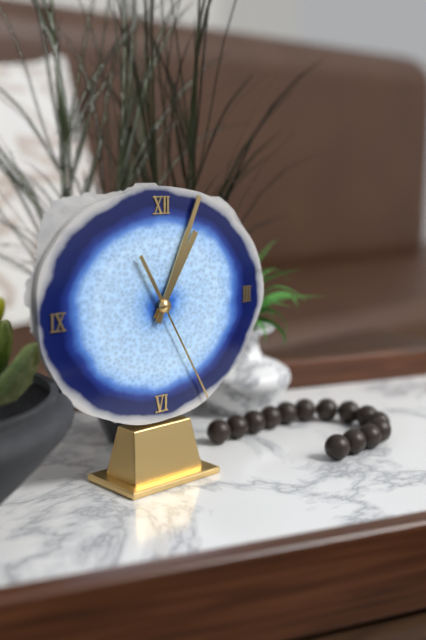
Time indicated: 1h04m25s
